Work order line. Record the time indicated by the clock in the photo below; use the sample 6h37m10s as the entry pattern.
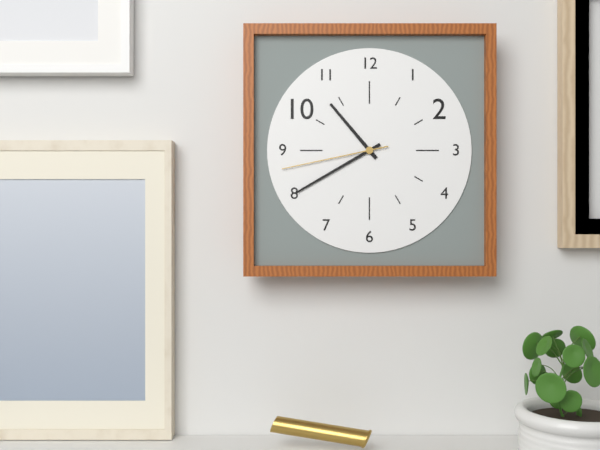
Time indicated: 10h40m43s
